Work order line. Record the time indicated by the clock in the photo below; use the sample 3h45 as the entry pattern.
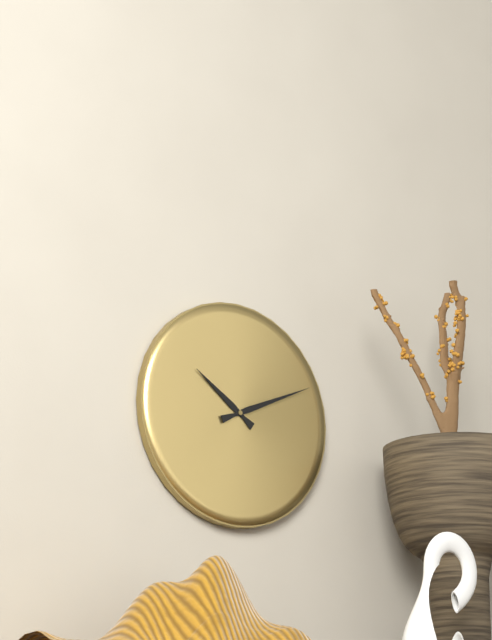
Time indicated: 10h11
